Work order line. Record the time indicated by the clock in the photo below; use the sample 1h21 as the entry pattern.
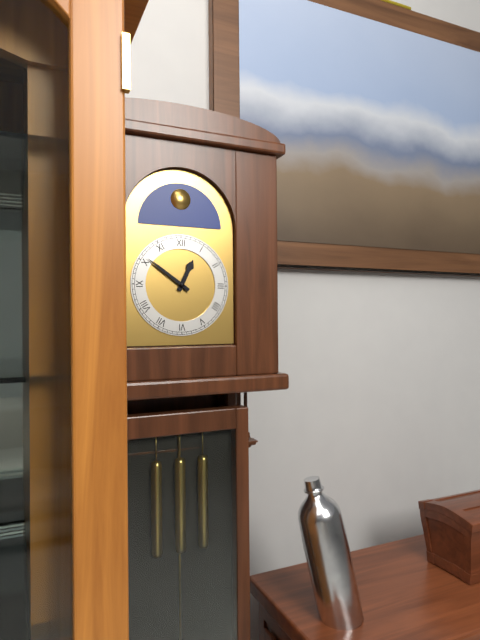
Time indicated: 12h51
